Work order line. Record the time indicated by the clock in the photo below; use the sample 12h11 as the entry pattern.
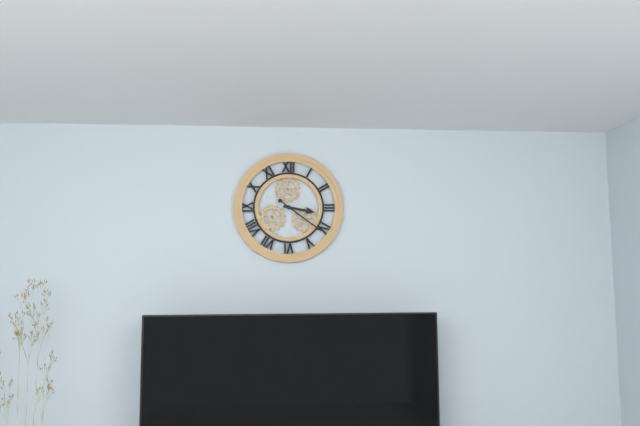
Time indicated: 3h21
